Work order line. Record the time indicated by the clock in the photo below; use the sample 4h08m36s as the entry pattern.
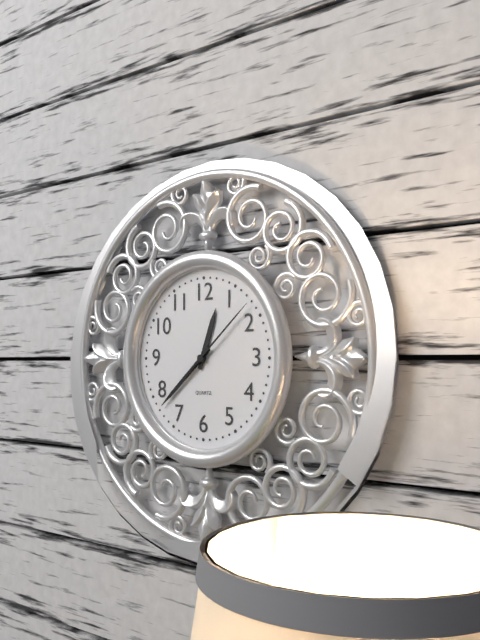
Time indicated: 12h38m08s
